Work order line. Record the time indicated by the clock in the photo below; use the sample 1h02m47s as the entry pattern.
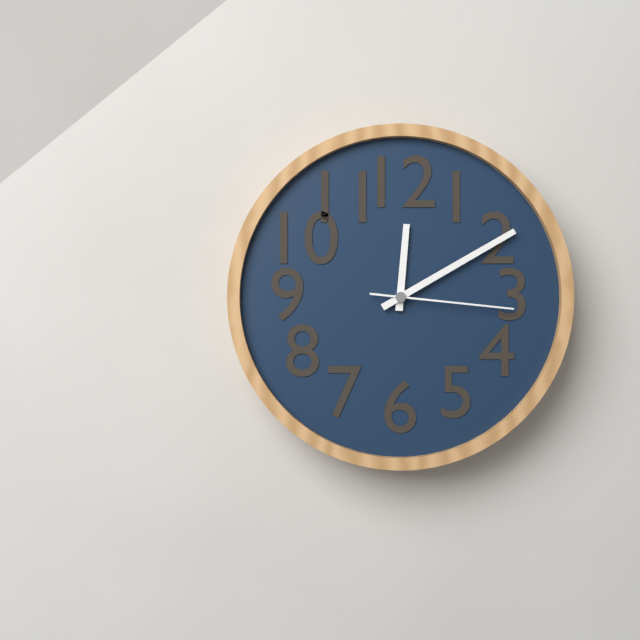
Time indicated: 12h10m16s
